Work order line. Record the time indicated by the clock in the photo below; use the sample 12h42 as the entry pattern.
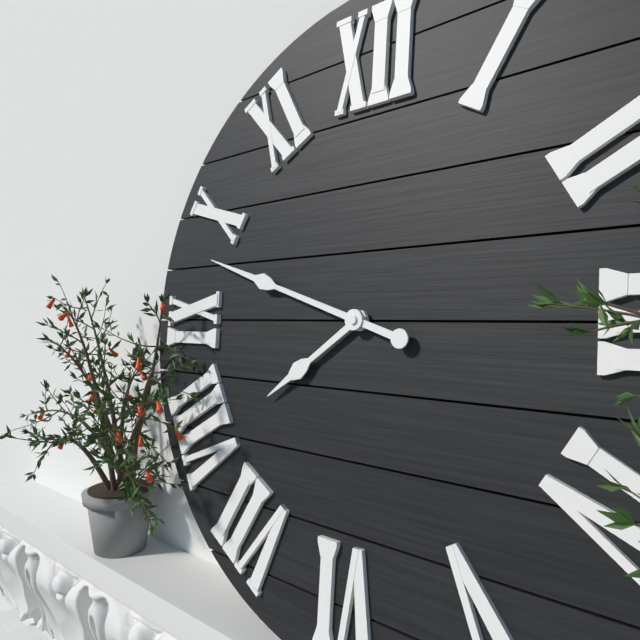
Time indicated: 7h48
